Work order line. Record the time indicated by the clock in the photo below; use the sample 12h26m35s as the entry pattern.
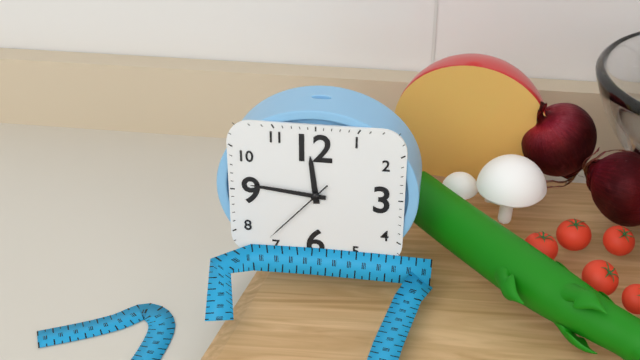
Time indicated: 11h46m37s
